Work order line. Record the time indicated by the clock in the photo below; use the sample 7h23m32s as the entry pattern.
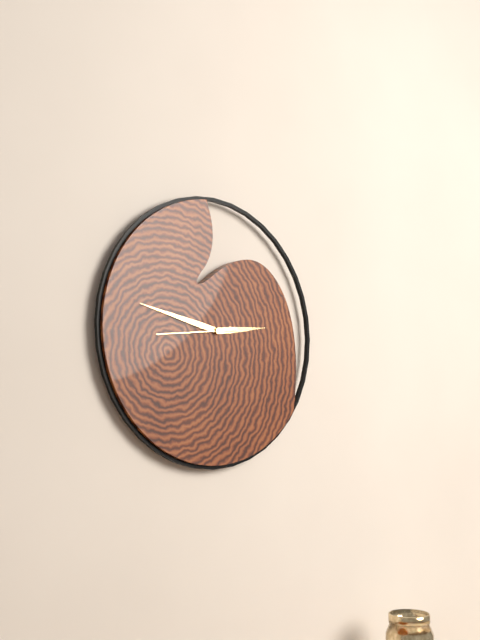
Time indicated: 2h47m44s
